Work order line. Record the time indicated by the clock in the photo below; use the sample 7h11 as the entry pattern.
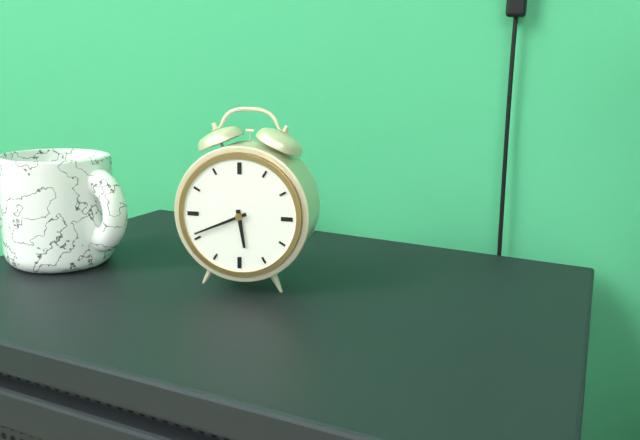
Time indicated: 5h41
